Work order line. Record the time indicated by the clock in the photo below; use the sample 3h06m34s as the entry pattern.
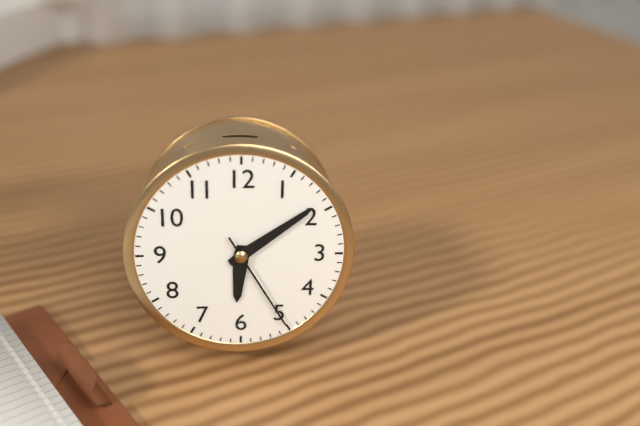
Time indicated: 6h09m25s
